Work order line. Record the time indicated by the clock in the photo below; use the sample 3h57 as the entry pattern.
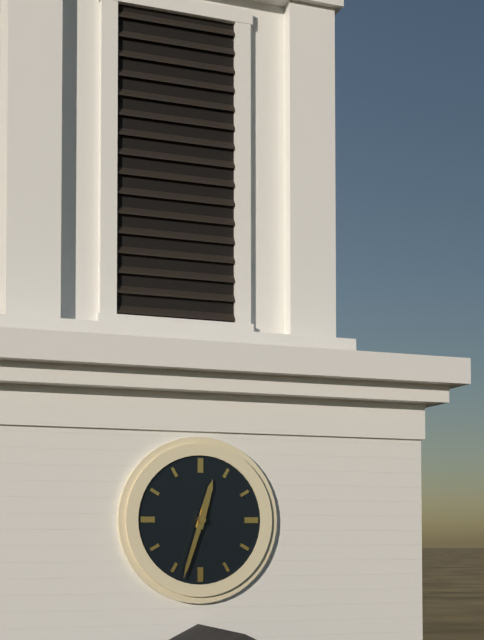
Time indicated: 12h33
